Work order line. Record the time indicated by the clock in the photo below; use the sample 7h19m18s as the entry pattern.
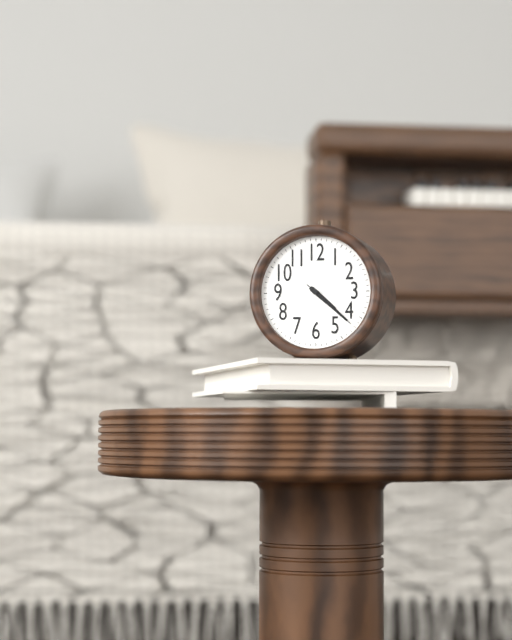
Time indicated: 4h22m22s
